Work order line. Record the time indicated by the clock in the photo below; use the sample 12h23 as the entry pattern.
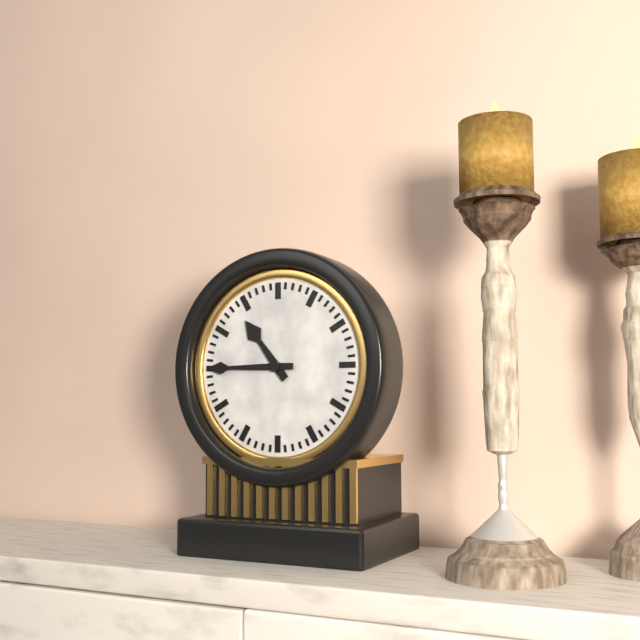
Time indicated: 10h45
